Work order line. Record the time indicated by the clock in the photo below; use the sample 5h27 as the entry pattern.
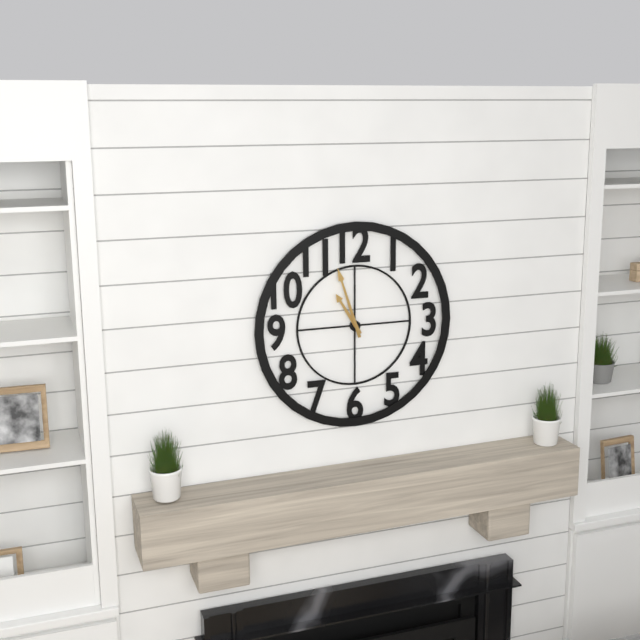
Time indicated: 10h57
